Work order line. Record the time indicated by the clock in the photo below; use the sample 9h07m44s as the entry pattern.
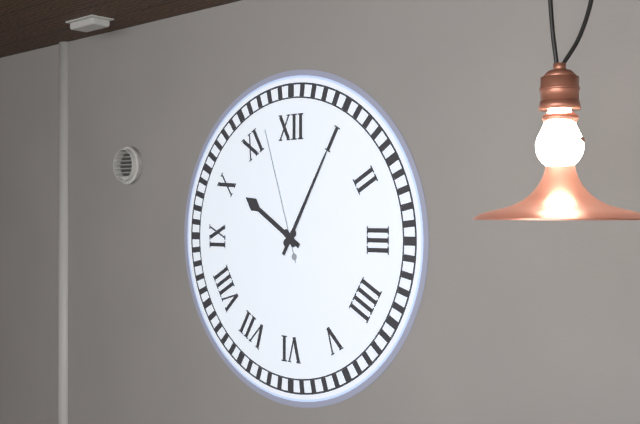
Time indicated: 10h05m57s
